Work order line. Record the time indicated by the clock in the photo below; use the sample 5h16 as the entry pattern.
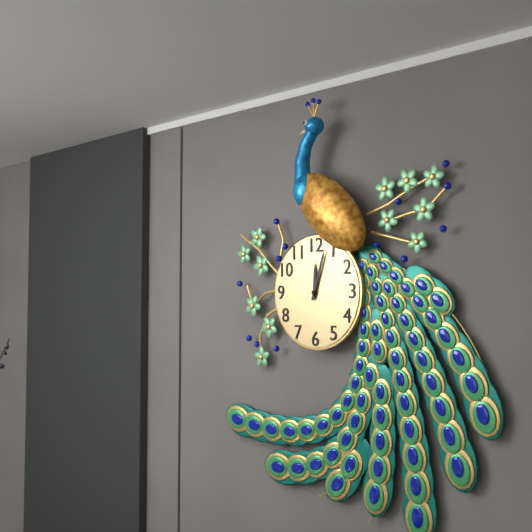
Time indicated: 12h03
